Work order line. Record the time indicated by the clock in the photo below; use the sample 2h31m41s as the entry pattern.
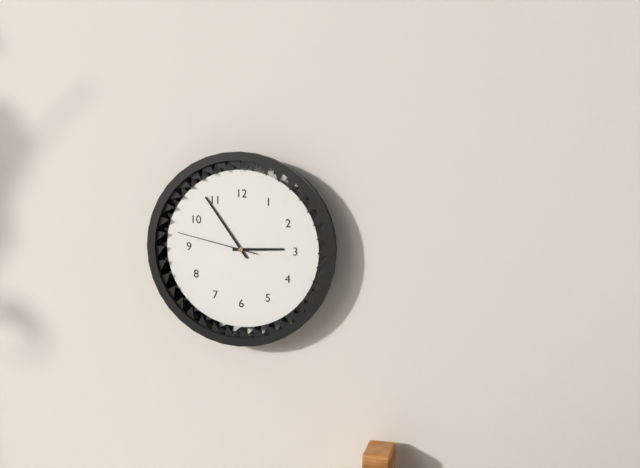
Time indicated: 2h54m47s
